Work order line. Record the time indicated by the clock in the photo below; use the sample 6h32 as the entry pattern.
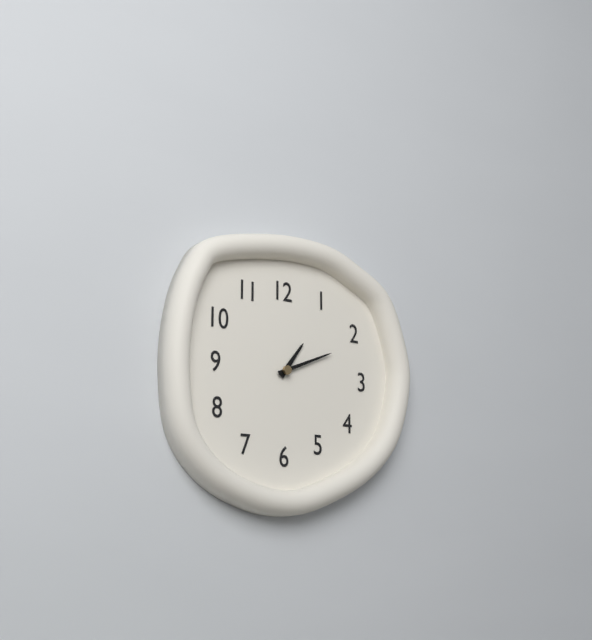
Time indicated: 1h11
